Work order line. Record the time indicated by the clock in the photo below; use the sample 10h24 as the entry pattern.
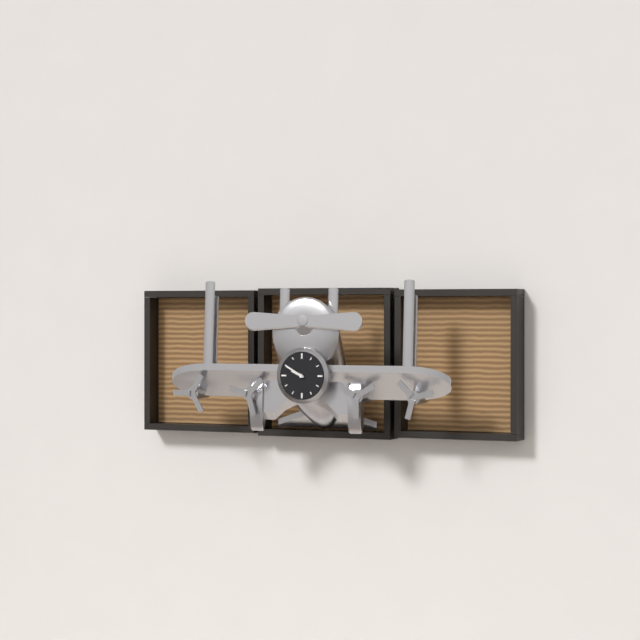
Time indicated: 9h50
